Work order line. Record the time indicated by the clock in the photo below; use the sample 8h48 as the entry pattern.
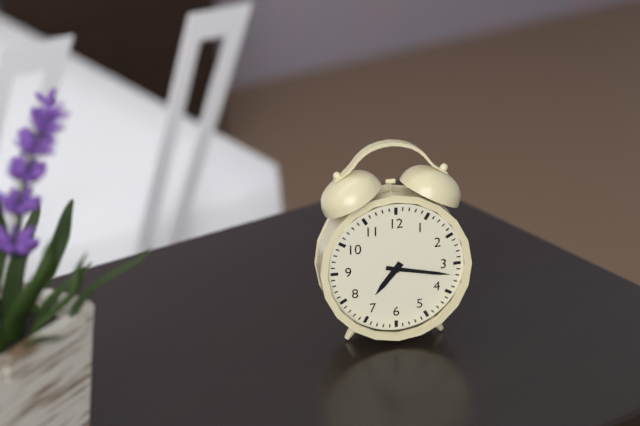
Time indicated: 7h17
